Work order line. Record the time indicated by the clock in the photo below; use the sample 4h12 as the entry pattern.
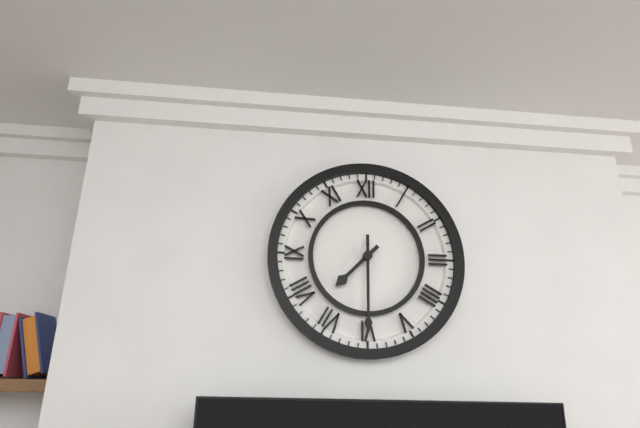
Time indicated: 7h30
